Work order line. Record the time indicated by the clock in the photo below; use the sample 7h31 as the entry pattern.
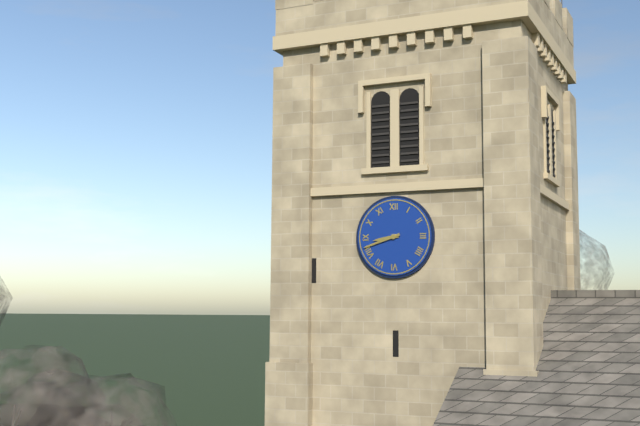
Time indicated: 8h42
